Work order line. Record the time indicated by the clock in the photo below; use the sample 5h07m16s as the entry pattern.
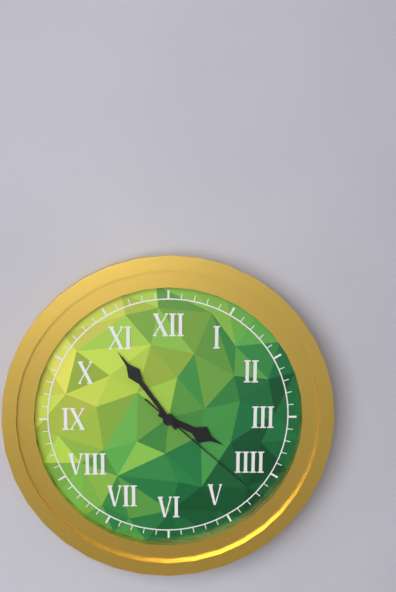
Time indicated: 3h54m22s
